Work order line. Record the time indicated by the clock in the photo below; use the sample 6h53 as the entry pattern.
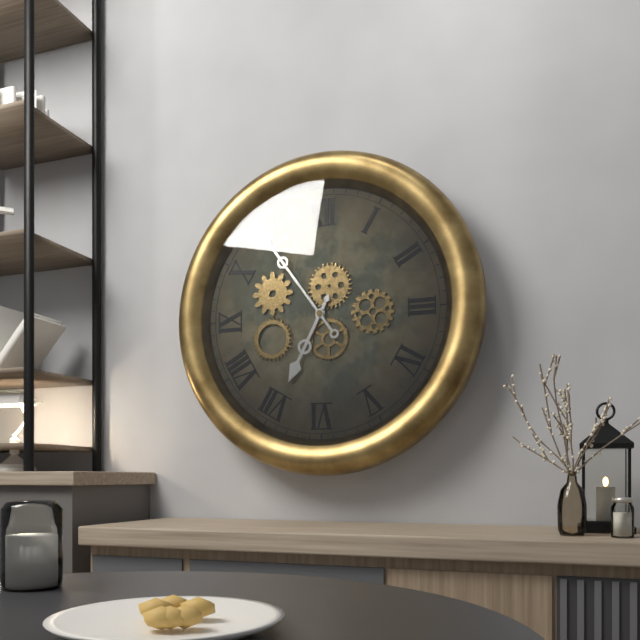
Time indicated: 6h54
